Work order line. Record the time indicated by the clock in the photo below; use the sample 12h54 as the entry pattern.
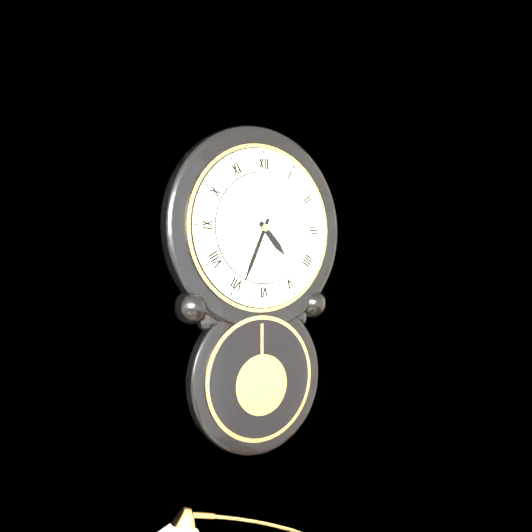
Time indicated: 4h34
